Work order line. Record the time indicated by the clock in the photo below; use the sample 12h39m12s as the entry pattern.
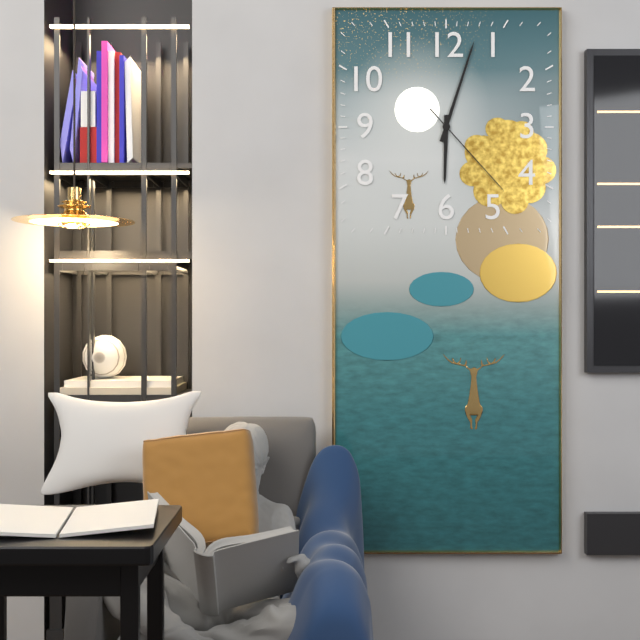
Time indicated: 6h03m23s
